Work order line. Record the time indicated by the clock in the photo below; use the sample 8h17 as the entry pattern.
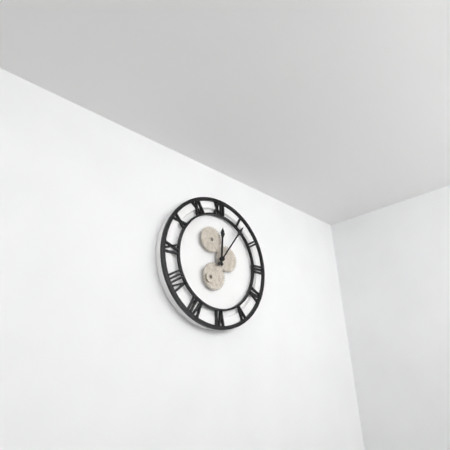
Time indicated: 12h06
